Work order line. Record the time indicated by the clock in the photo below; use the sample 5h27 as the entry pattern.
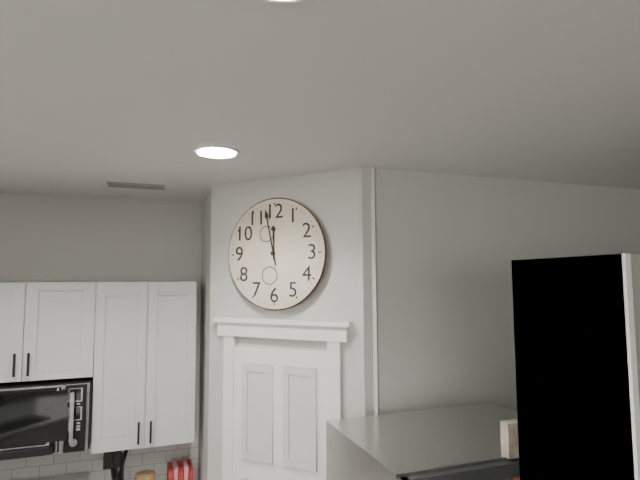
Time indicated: 11h58
